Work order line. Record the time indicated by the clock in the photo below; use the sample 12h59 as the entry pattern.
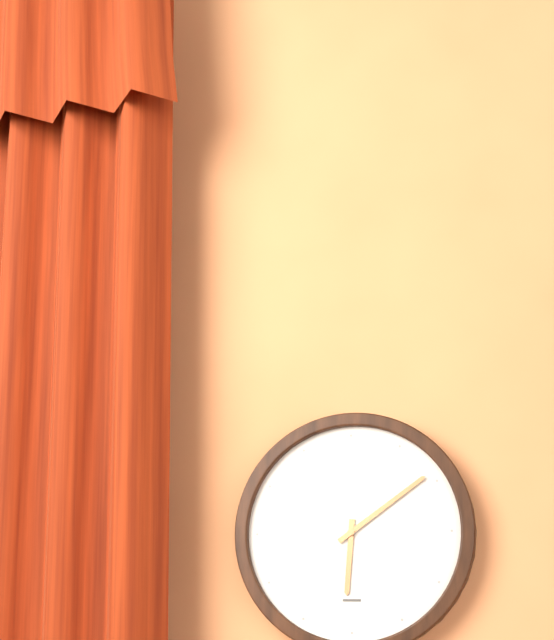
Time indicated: 6h09
